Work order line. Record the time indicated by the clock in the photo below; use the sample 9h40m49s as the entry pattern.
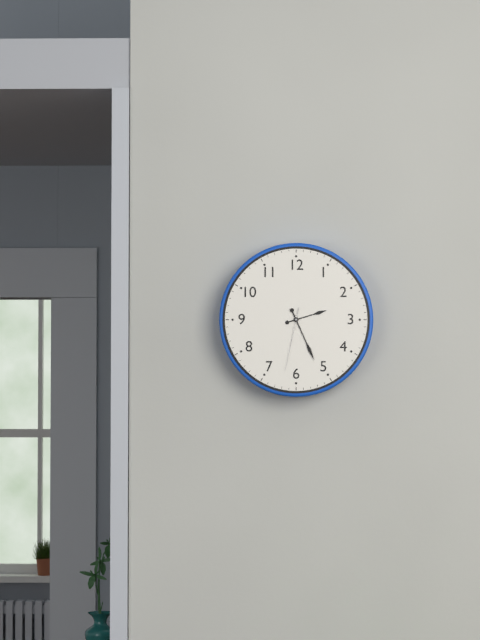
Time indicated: 2h26m32s
